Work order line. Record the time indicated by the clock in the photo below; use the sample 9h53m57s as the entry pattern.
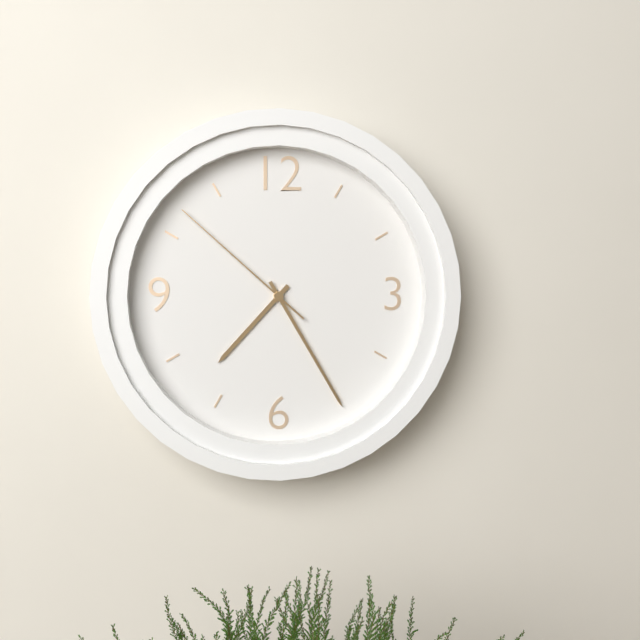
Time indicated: 7h25m52s
